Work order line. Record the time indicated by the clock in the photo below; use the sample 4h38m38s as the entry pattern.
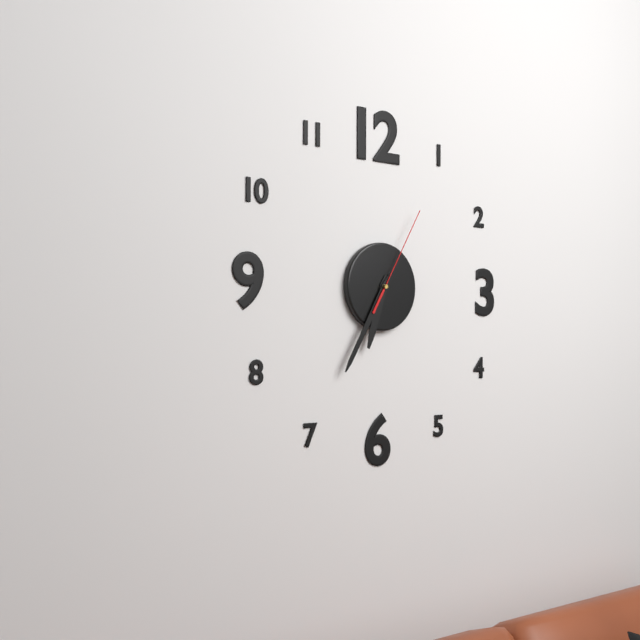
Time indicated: 6h35m05s
